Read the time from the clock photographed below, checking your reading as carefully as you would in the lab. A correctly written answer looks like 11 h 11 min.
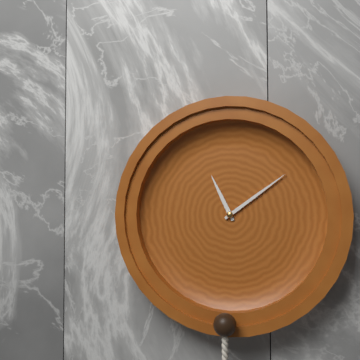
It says 11 h 09 min
